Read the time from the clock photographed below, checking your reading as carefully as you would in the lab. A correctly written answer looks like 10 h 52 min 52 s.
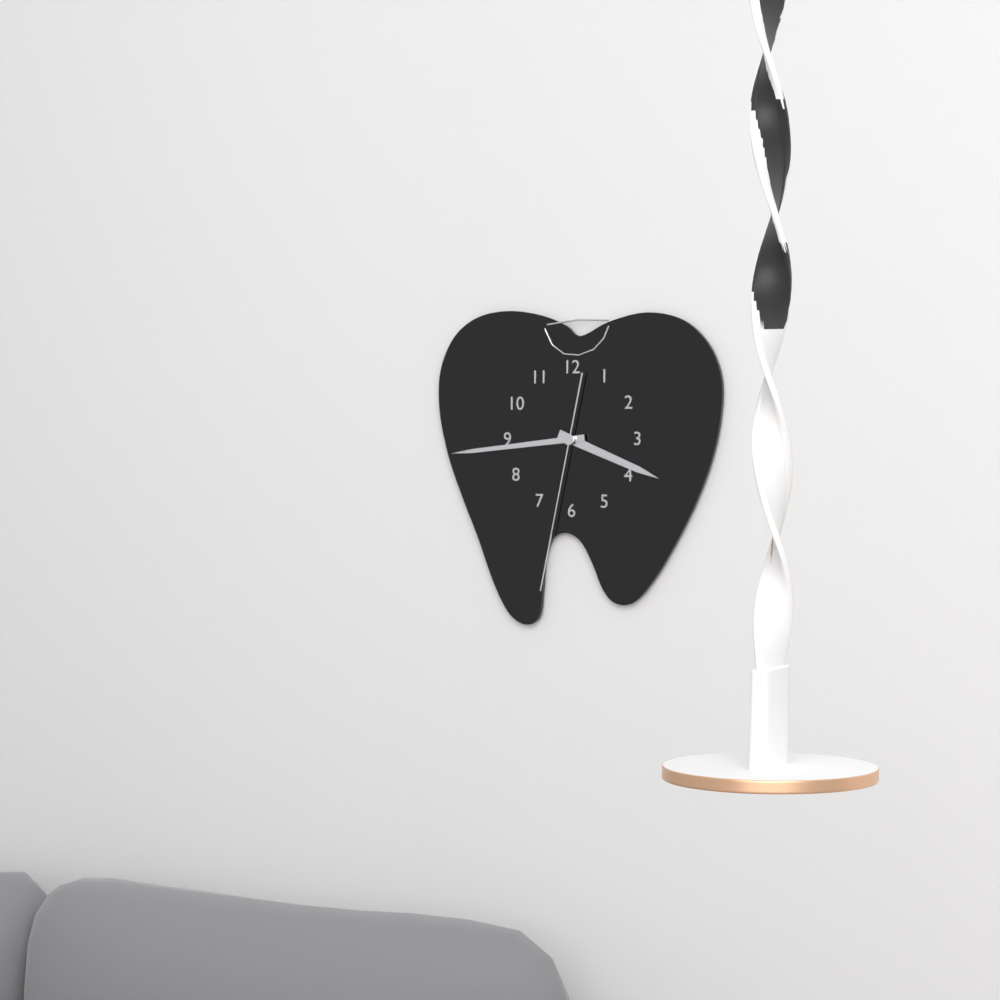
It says 3 h 44 min 32 s
